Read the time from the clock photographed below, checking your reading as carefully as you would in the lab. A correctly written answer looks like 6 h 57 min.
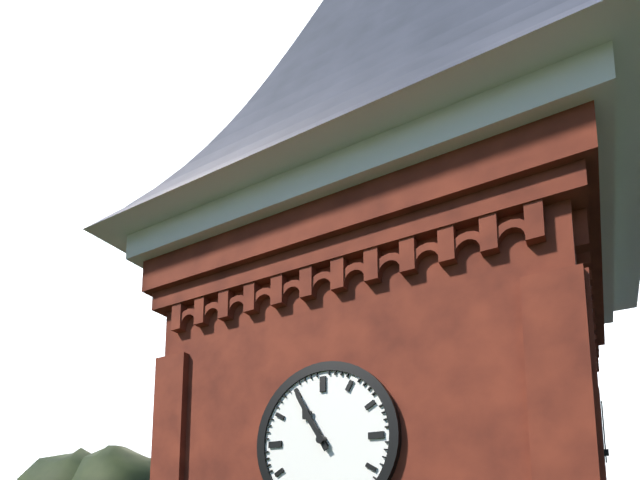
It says 10 h 55 min
